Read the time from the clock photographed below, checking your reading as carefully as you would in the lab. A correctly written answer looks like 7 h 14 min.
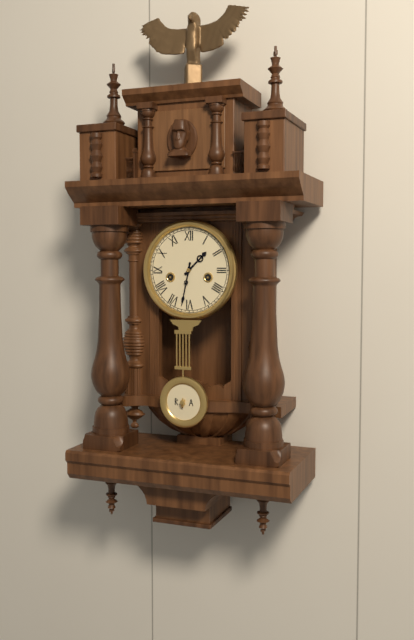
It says 1 h 32 min
